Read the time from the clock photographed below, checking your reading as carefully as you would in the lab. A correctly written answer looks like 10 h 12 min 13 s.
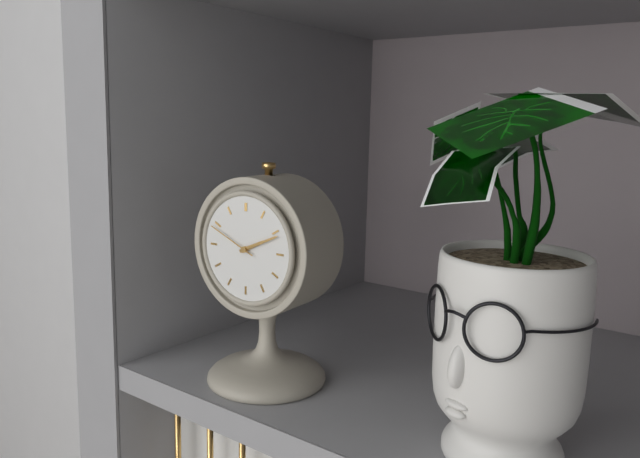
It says 2 h 11 min 49 s
